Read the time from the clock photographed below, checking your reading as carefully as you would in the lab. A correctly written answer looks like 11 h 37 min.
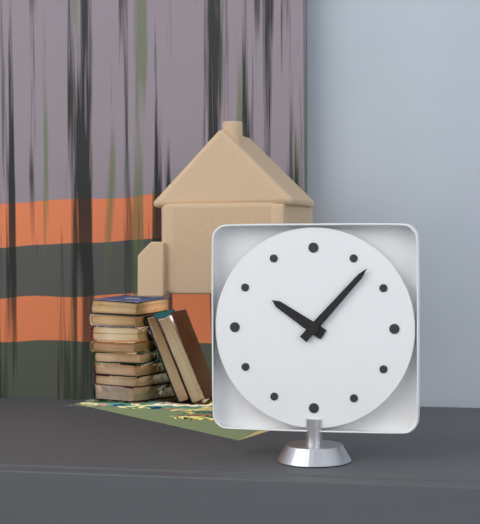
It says 10 h 07 min
